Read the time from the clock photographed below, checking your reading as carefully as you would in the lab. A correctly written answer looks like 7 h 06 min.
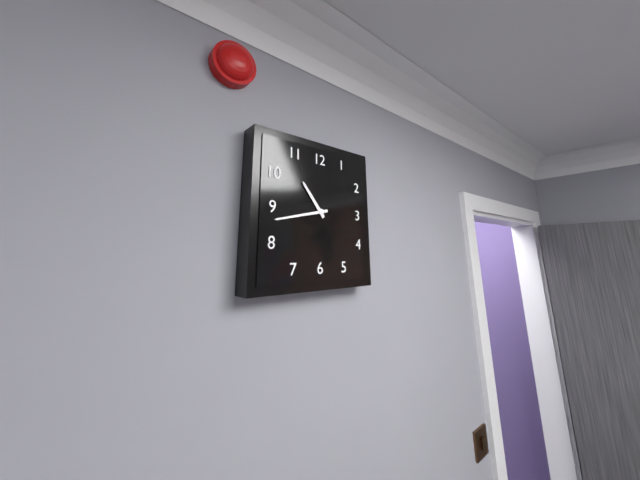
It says 10 h 43 min
